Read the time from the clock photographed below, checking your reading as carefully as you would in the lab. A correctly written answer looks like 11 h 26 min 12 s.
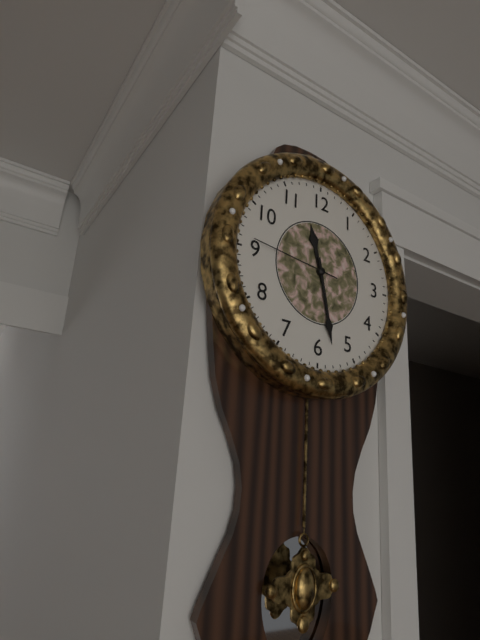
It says 11 h 28 min 46 s
